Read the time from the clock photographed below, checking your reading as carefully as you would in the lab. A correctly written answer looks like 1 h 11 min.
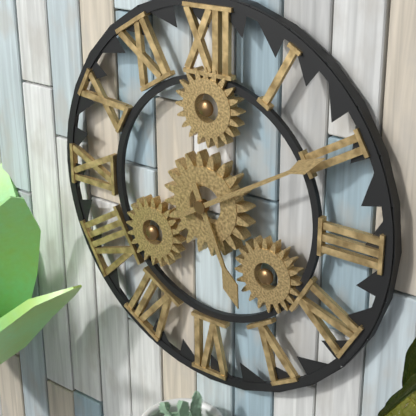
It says 5 h 10 min
